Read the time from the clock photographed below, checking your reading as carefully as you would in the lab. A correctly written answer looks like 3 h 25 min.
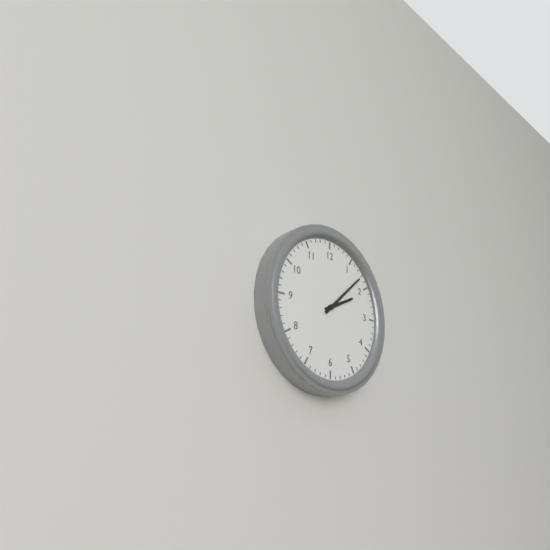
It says 2 h 08 min
